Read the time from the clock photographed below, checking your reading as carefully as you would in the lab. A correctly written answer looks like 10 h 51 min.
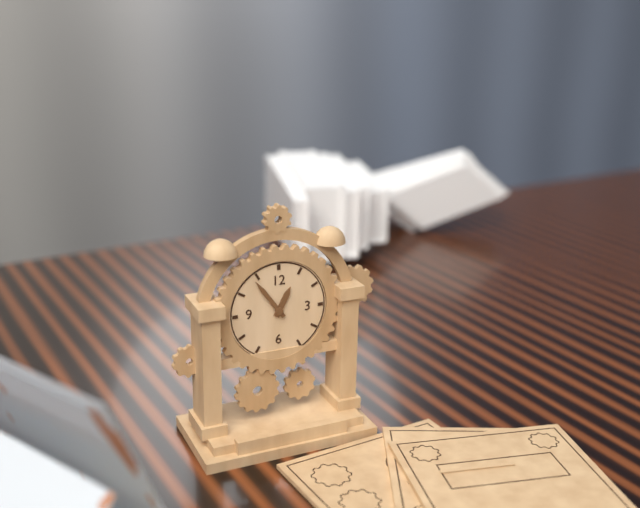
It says 12 h 54 min
